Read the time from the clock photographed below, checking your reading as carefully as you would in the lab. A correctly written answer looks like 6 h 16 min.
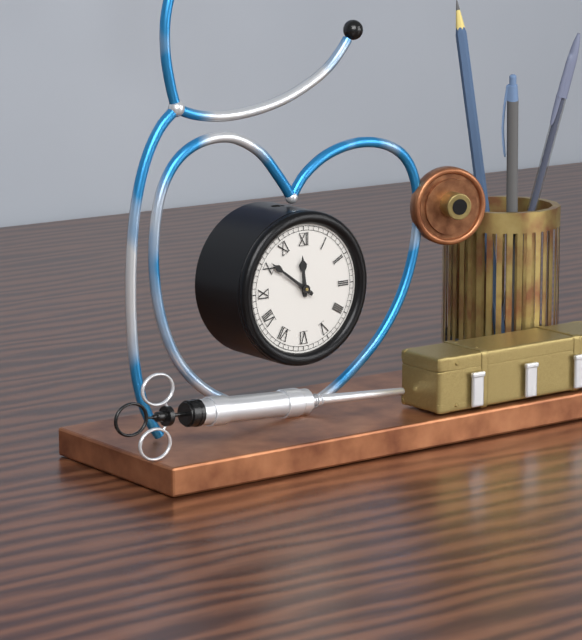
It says 11 h 51 min
